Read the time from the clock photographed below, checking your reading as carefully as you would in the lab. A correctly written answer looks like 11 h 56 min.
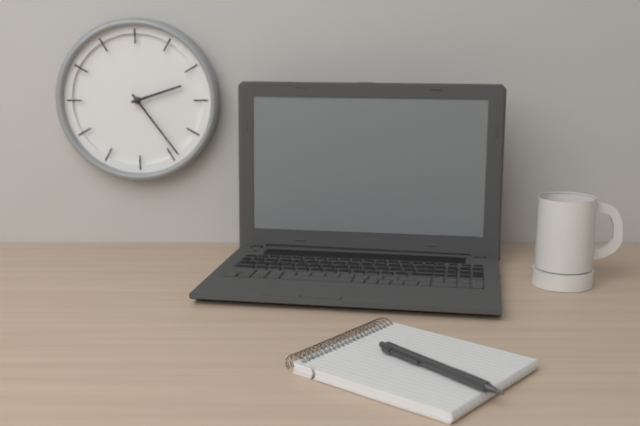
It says 2 h 24 min
